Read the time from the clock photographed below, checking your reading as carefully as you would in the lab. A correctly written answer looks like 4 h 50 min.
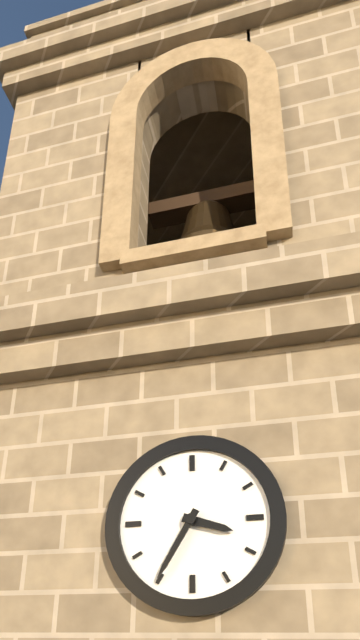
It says 3 h 35 min
